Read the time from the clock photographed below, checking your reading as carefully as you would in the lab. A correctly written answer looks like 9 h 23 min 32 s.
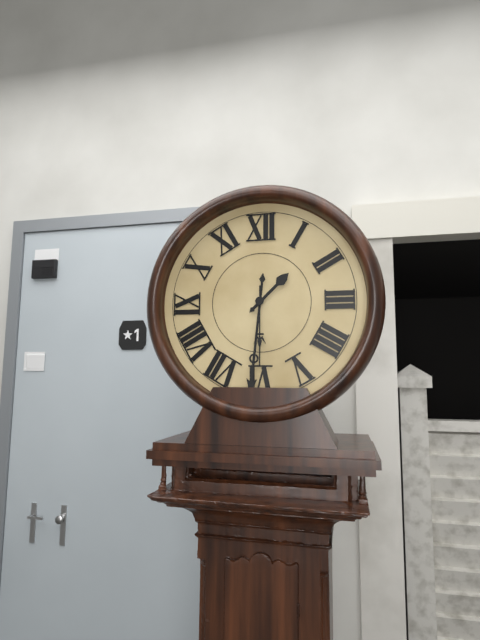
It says 1 h 31 min 30 s
